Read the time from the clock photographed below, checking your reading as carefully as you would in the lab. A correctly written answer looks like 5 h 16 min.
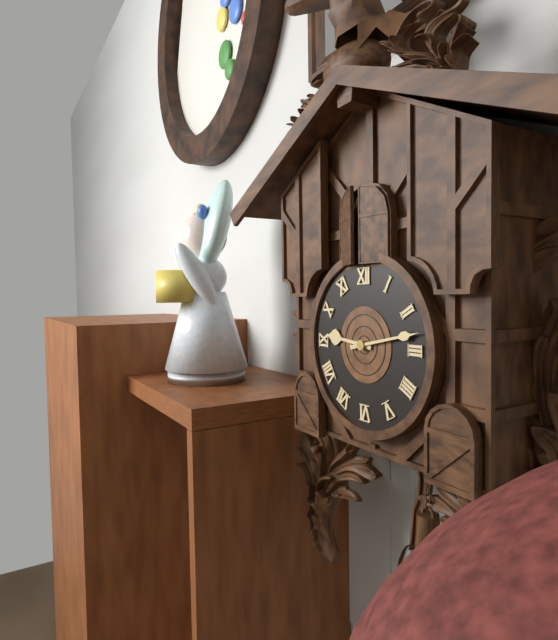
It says 9 h 13 min
